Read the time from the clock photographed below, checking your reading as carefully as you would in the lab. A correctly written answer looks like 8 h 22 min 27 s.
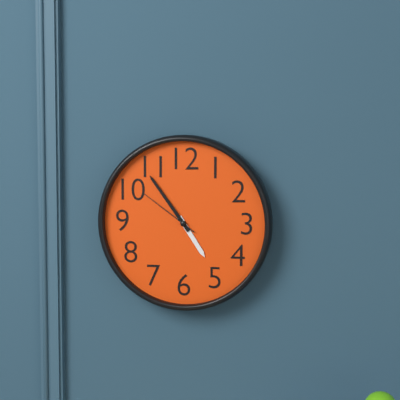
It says 4 h 54 min 51 s
